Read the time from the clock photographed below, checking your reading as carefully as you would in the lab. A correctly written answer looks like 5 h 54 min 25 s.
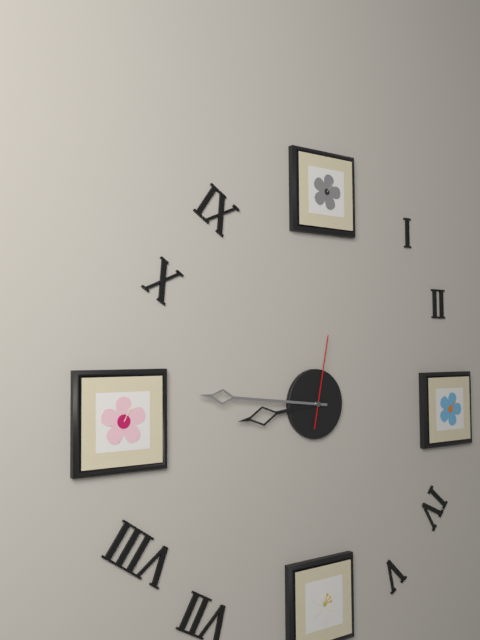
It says 8 h 46 min 02 s
